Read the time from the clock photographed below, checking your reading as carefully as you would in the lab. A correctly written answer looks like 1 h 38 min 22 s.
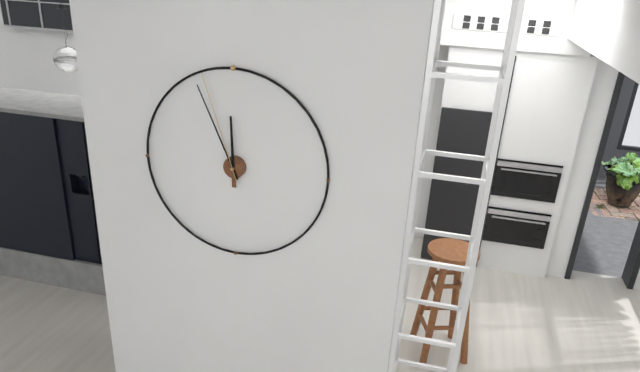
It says 11 h 56 min 57 s
